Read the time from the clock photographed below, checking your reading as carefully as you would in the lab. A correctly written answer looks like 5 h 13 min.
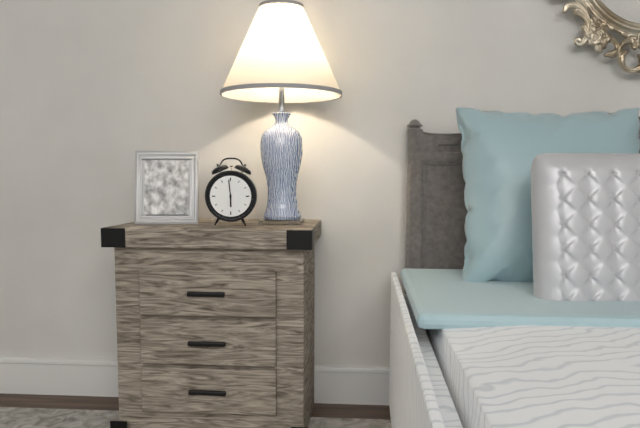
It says 5 h 59 min
